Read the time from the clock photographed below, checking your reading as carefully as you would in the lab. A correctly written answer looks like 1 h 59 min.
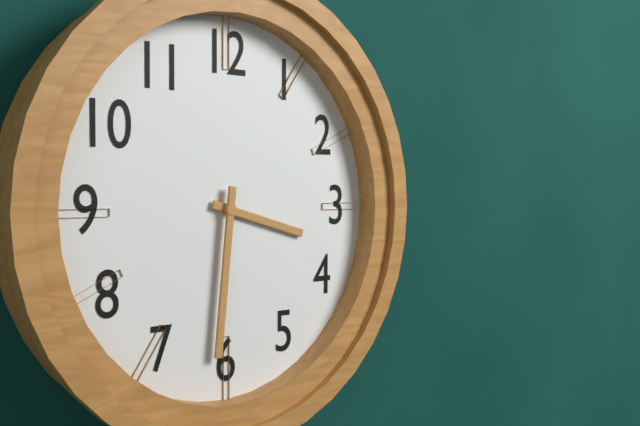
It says 3 h 31 min
